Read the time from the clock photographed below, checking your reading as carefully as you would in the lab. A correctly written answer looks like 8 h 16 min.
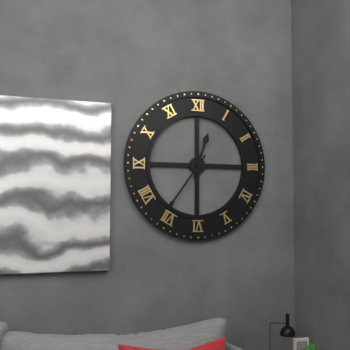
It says 12 h 36 min
